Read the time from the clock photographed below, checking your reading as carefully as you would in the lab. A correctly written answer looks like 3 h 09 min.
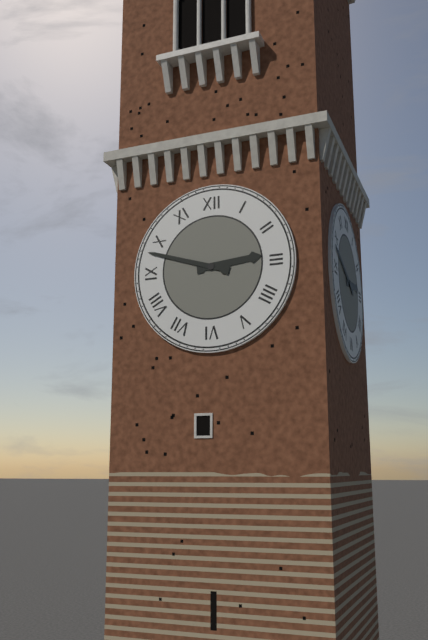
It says 2 h 48 min
